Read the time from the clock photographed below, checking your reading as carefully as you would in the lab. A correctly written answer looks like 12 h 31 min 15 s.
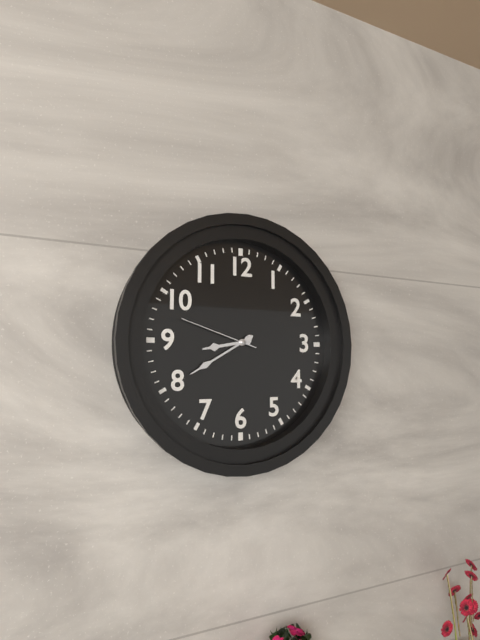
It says 8 h 40 min 48 s
